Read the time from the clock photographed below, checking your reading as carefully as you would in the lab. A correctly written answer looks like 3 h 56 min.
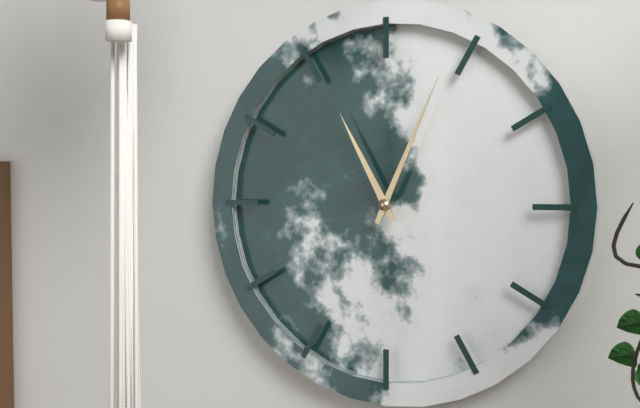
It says 11 h 04 min
